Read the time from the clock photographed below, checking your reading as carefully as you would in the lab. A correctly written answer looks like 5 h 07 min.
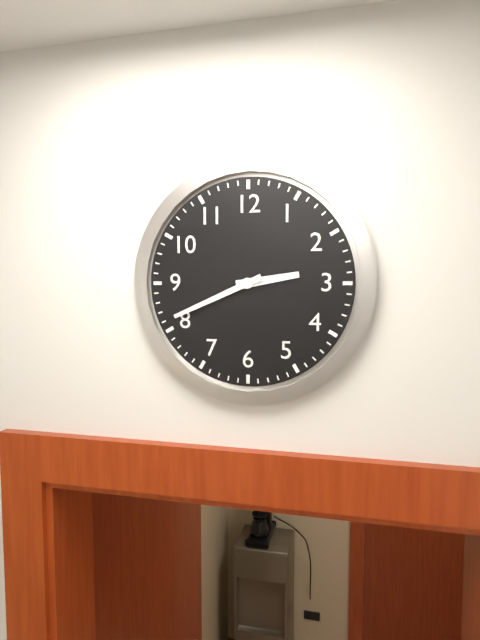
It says 2 h 41 min
